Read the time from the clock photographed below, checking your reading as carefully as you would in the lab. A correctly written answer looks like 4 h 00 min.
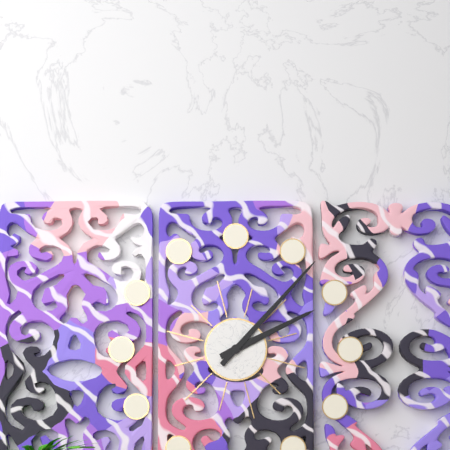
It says 2 h 07 min
